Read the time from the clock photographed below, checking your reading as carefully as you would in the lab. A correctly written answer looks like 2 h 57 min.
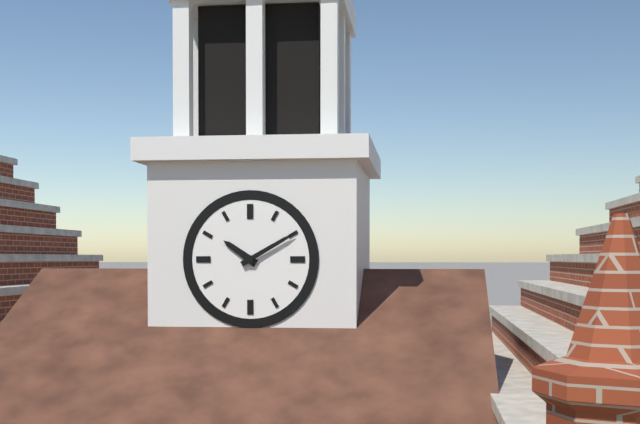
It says 10 h 10 min
